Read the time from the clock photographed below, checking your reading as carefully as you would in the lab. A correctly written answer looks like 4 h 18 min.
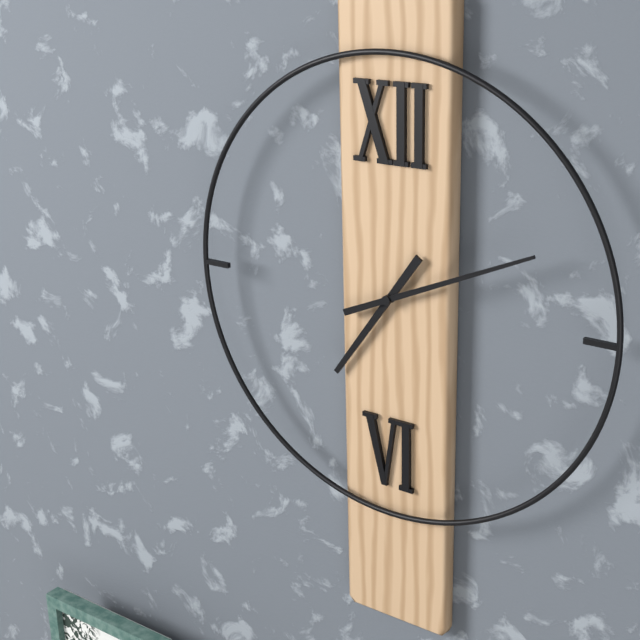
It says 7 h 11 min
